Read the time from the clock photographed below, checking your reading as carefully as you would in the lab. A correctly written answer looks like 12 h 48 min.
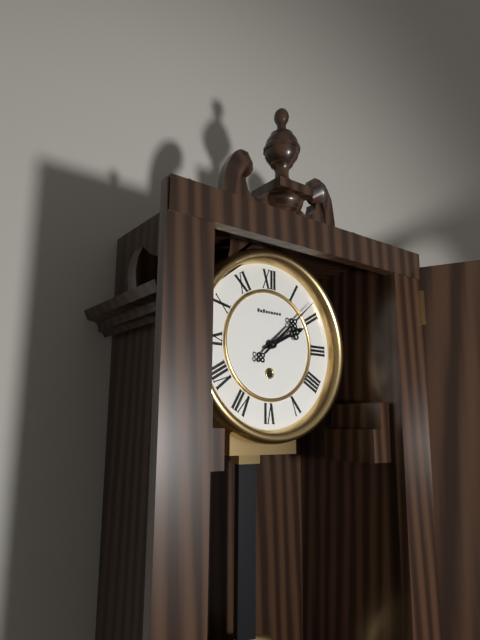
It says 2 h 08 min
